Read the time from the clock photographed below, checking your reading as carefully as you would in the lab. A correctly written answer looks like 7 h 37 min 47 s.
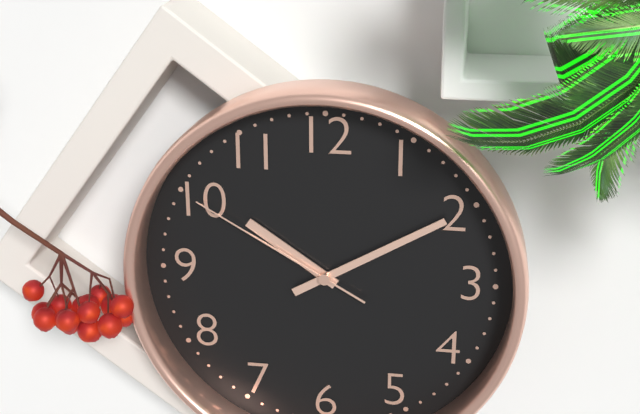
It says 10 h 10 min 50 s
